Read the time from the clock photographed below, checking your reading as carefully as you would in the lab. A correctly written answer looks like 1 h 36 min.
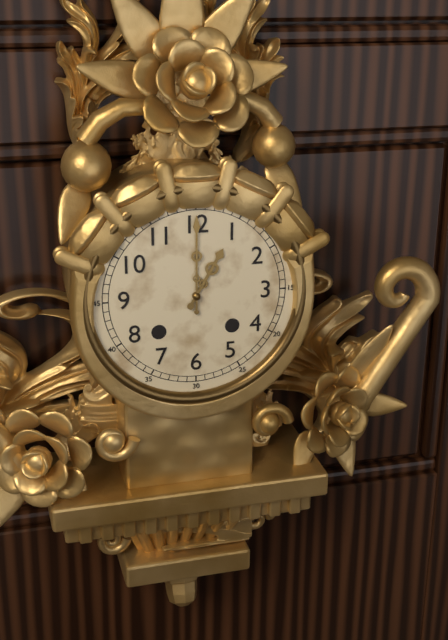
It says 1 h 00 min
